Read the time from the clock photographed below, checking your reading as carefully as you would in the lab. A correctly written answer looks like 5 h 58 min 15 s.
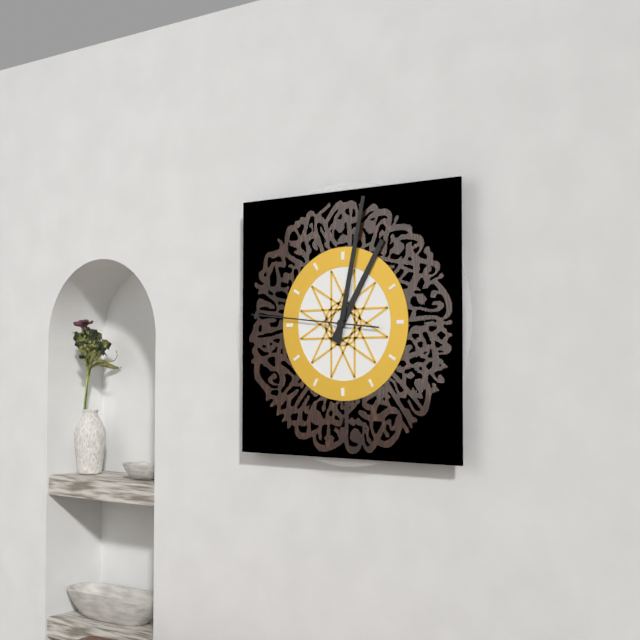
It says 1 h 02 min 46 s
